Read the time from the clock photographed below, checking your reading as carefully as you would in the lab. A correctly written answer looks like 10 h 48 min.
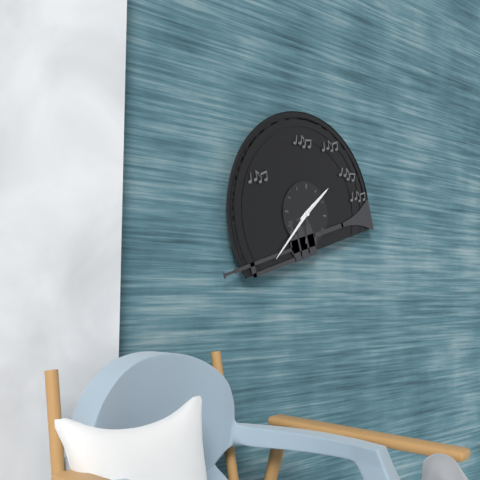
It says 1 h 37 min
